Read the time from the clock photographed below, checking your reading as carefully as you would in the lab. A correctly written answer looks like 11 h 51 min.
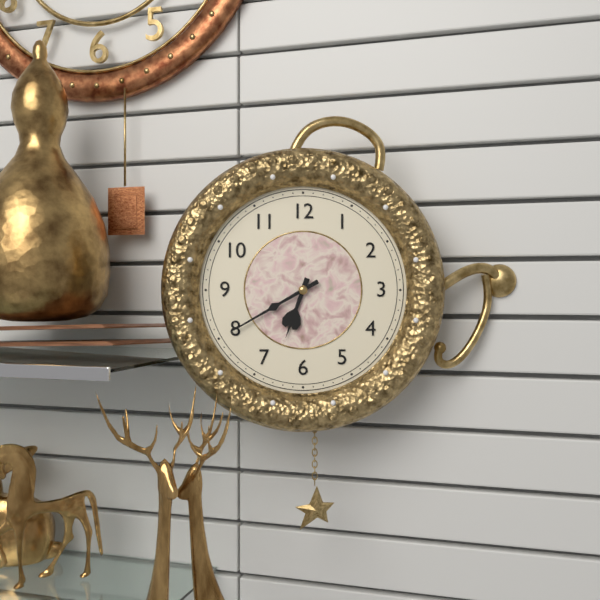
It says 6 h 40 min
